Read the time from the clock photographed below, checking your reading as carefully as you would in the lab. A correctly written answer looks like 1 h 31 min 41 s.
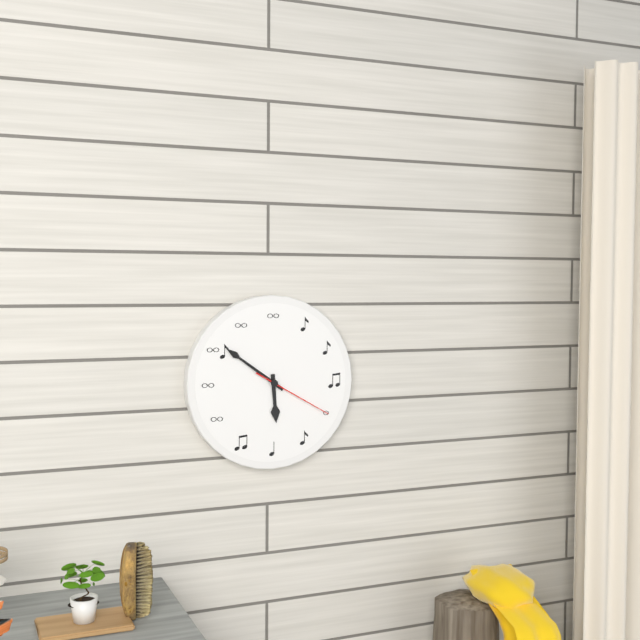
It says 5 h 51 min 20 s
